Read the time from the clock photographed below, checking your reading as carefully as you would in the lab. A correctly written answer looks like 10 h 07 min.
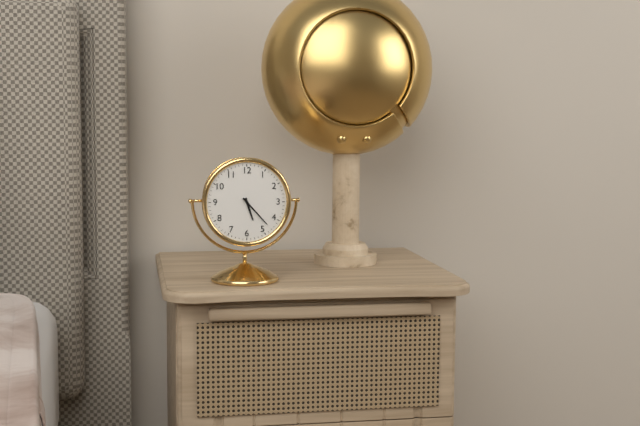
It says 5 h 23 min
